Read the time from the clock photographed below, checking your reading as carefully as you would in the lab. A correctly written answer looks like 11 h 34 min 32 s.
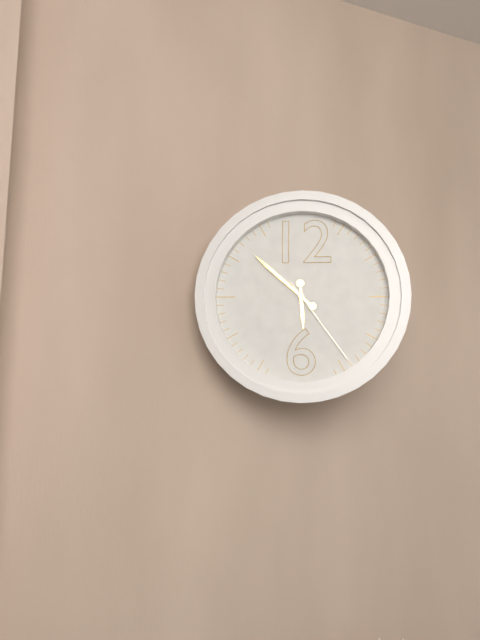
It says 5 h 52 min 24 s
